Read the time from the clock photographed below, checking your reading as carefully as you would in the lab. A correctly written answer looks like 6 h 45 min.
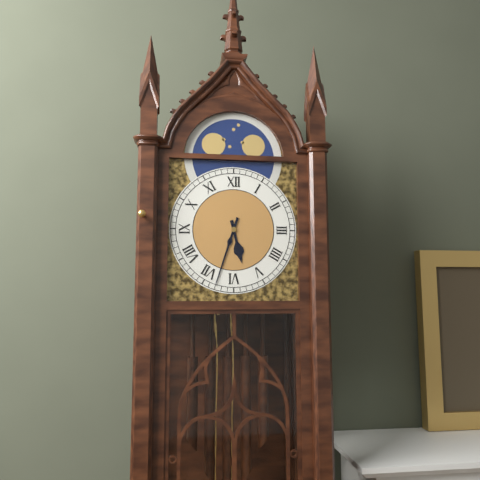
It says 5 h 33 min
